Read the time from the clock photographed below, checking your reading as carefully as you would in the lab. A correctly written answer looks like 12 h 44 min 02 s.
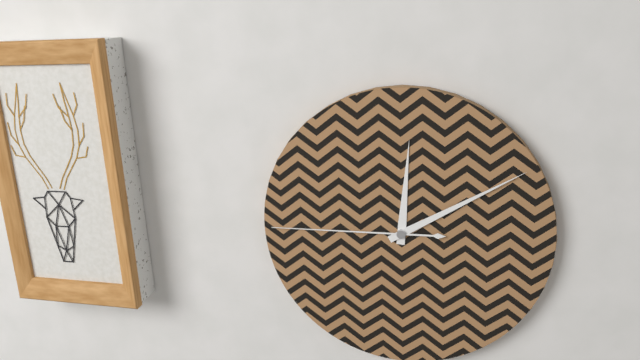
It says 12 h 10 min 45 s
